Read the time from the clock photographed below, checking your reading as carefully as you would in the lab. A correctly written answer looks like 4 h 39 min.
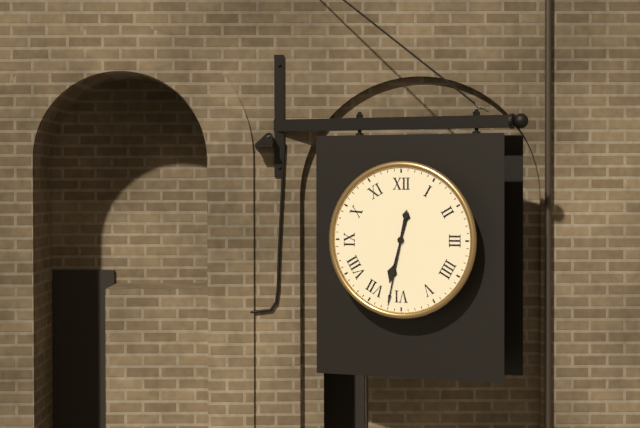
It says 6 h 32 min
